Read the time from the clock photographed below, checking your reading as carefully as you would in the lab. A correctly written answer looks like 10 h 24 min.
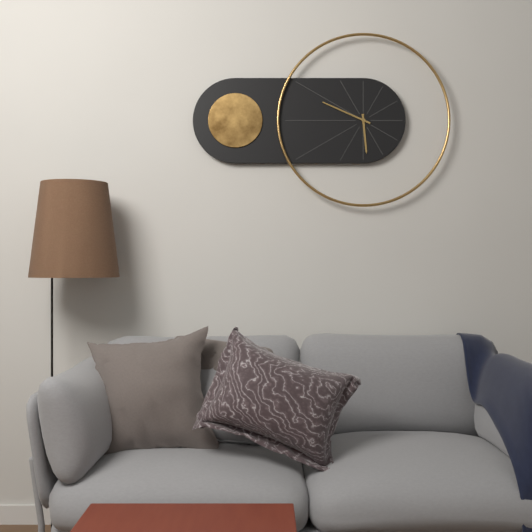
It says 5 h 49 min
